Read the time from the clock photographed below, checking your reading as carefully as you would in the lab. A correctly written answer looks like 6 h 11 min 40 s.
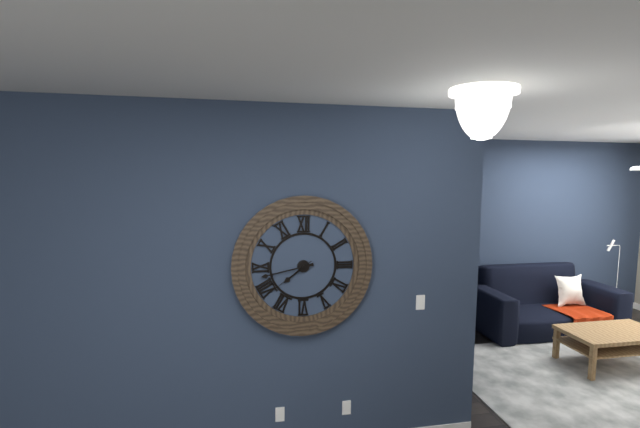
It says 7 h 43 min 39 s
